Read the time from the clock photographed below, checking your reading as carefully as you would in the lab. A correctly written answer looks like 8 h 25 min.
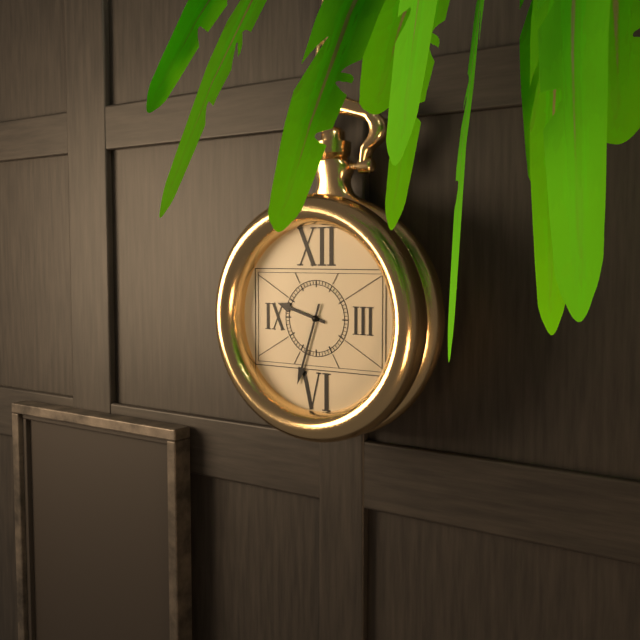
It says 9 h 33 min
